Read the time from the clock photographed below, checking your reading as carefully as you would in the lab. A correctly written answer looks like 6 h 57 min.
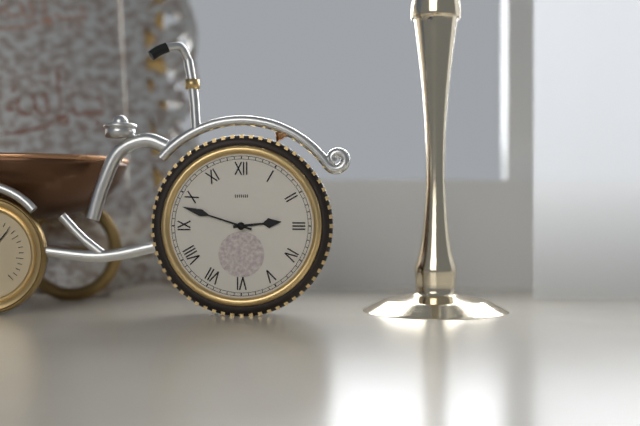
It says 2 h 48 min
